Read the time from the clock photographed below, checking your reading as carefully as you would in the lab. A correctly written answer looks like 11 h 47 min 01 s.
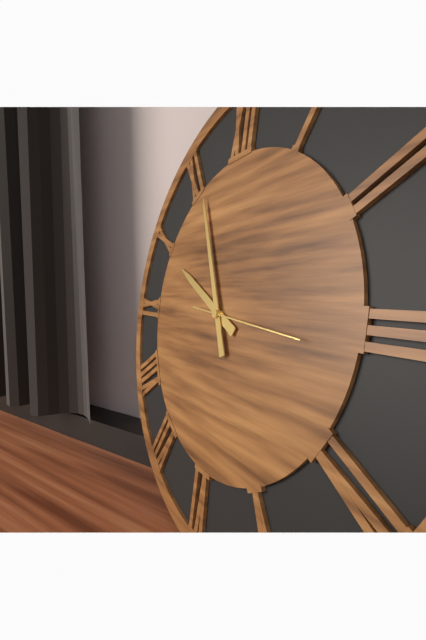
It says 9 h 56 min 16 s
